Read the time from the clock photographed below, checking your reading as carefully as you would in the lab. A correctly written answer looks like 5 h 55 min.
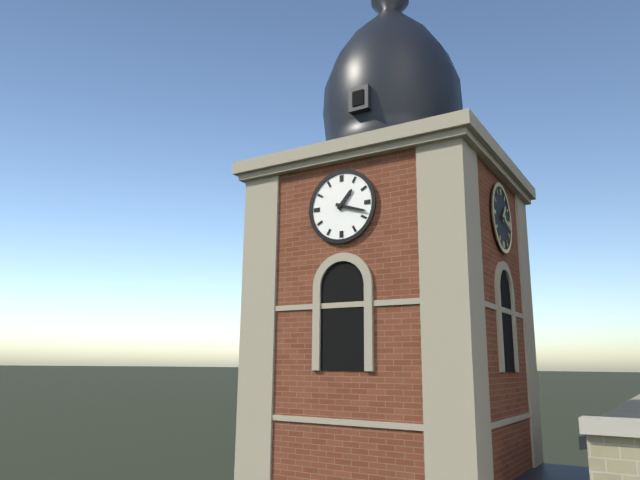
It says 1 h 18 min
